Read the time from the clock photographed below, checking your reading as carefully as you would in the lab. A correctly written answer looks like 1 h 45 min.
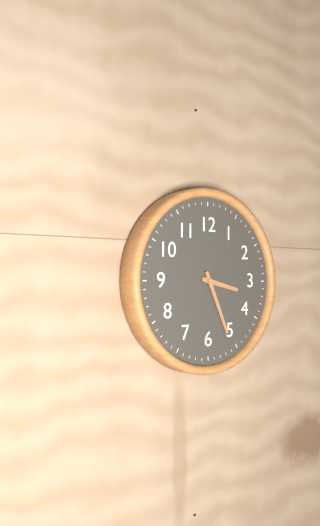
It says 3 h 26 min
